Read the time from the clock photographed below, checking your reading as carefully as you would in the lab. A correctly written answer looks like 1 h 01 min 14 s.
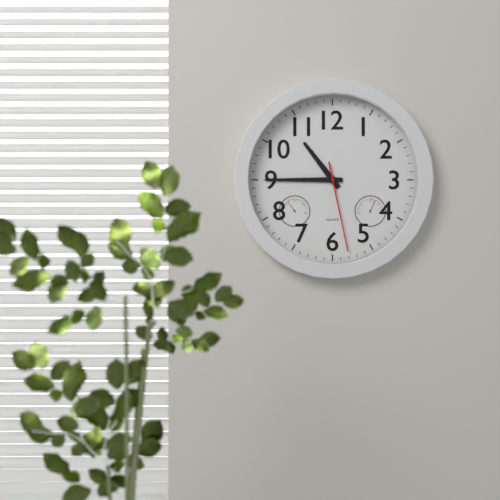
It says 10 h 45 min 28 s
